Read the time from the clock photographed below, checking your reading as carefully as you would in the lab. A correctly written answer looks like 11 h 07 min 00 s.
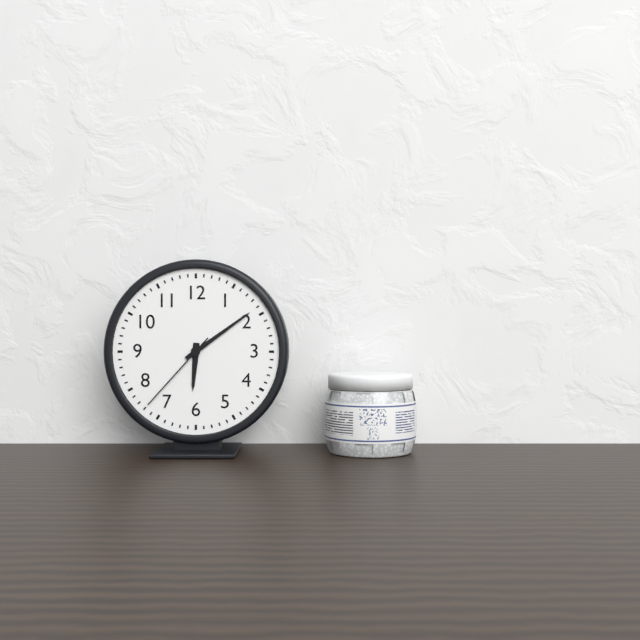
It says 6 h 09 min 37 s
